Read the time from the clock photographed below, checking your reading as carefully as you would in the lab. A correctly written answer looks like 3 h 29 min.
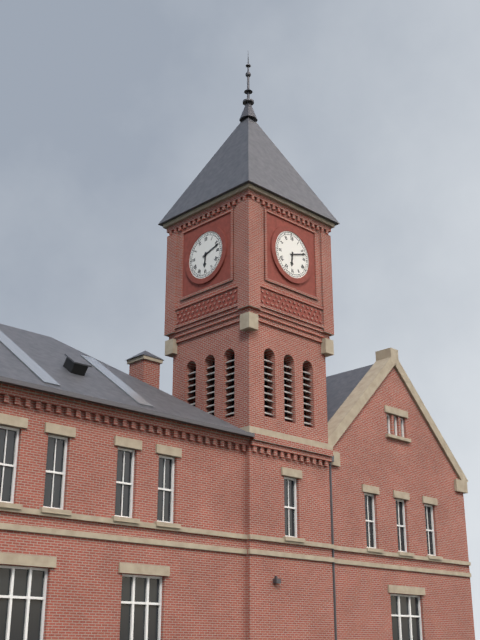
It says 6 h 12 min
